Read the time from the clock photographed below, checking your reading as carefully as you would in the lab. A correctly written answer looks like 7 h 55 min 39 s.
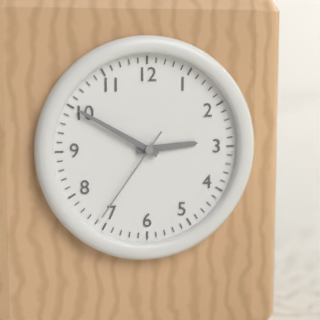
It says 2 h 50 min 36 s
